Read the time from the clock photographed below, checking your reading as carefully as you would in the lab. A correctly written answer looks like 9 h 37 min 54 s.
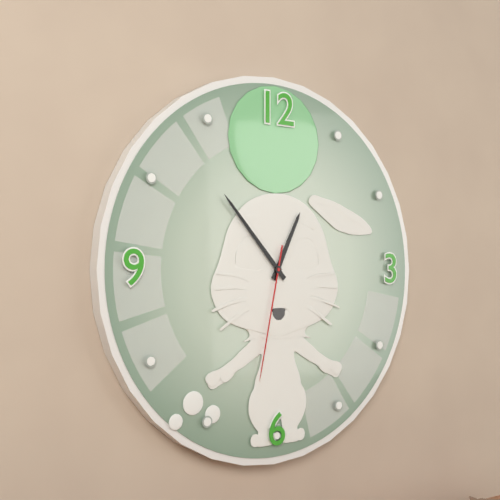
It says 12 h 53 min 32 s
